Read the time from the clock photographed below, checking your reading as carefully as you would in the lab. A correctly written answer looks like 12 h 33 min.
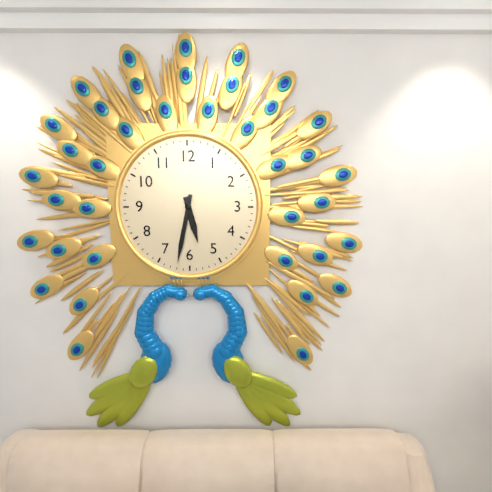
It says 5 h 32 min
